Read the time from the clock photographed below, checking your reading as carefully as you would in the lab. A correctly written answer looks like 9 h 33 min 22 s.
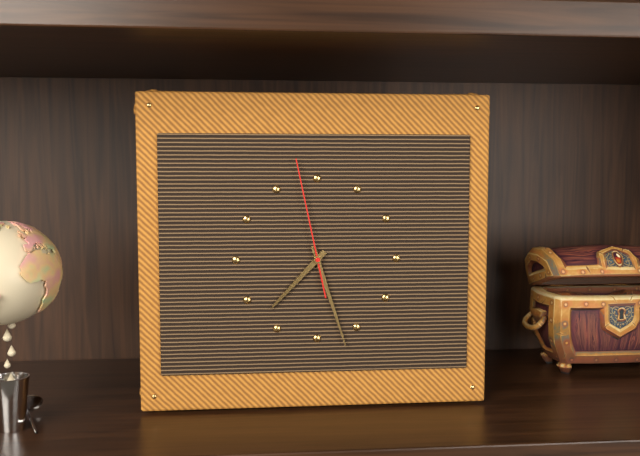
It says 7 h 27 min 58 s
